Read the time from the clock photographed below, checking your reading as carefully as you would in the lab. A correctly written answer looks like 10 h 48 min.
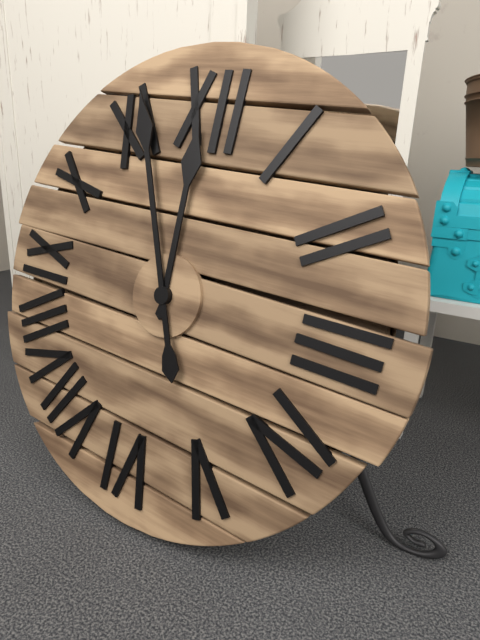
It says 11 h 56 min
